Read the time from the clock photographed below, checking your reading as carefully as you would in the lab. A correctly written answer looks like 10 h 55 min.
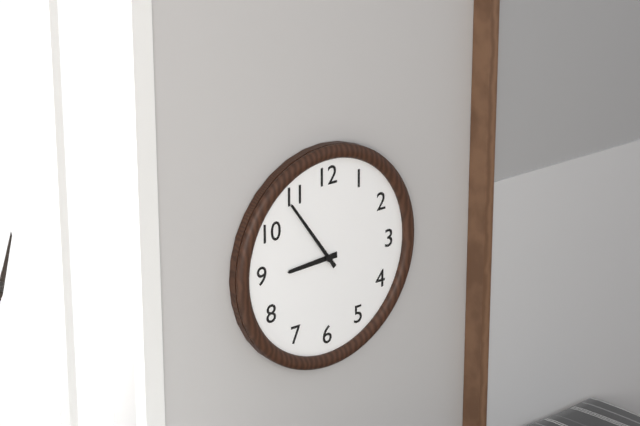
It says 8 h 54 min
